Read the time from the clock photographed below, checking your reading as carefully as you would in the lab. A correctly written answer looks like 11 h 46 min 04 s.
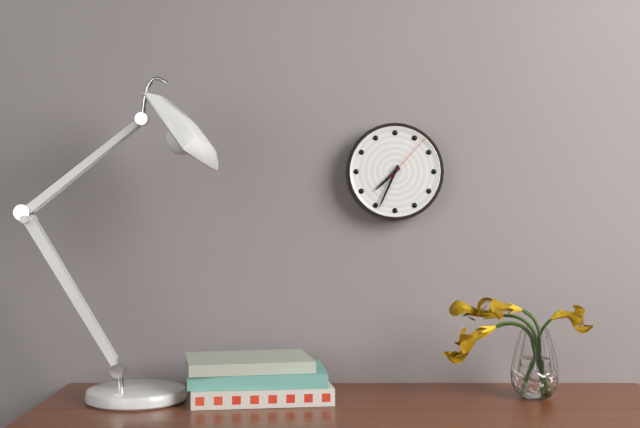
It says 7 h 34 min 07 s
